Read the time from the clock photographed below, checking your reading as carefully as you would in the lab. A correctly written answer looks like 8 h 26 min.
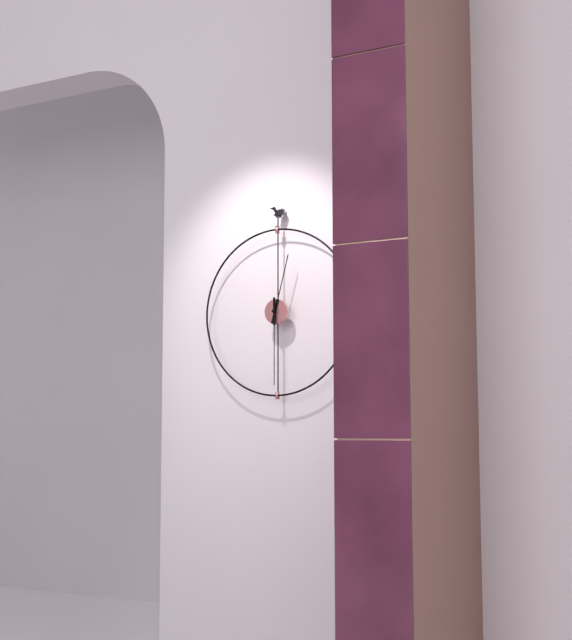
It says 12 h 30 min
